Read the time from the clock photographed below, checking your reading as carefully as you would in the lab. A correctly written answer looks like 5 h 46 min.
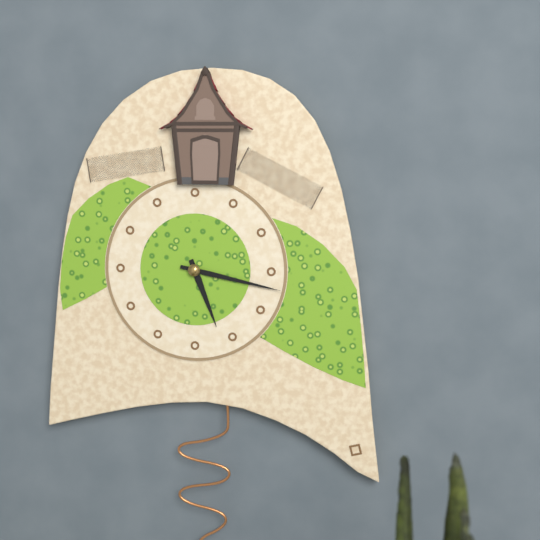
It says 5 h 17 min
